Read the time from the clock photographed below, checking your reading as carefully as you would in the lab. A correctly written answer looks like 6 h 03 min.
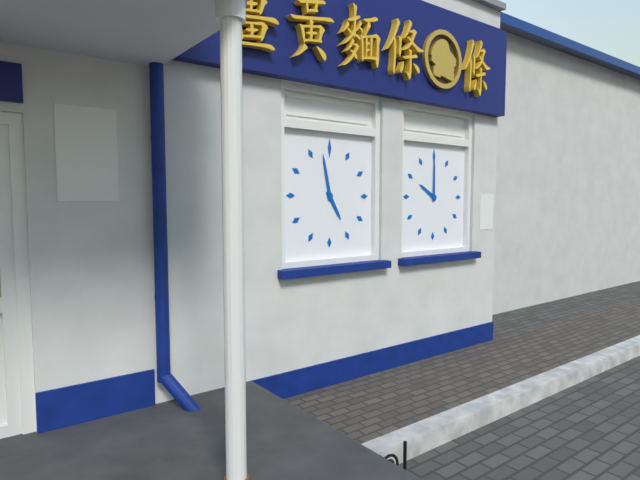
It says 4 h 58 min
